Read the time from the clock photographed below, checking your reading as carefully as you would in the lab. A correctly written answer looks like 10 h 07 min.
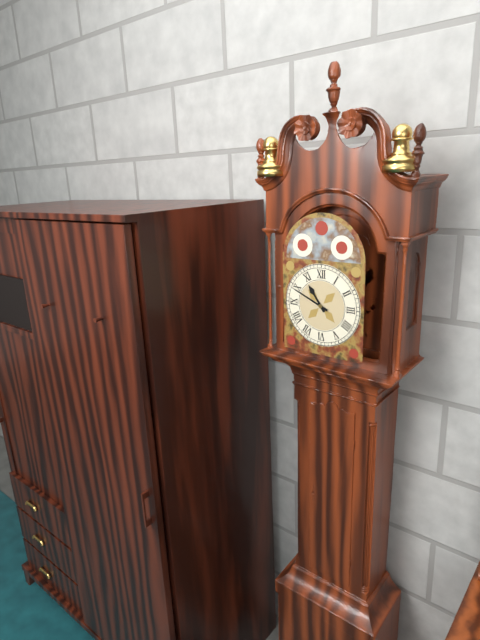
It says 10 h 49 min
